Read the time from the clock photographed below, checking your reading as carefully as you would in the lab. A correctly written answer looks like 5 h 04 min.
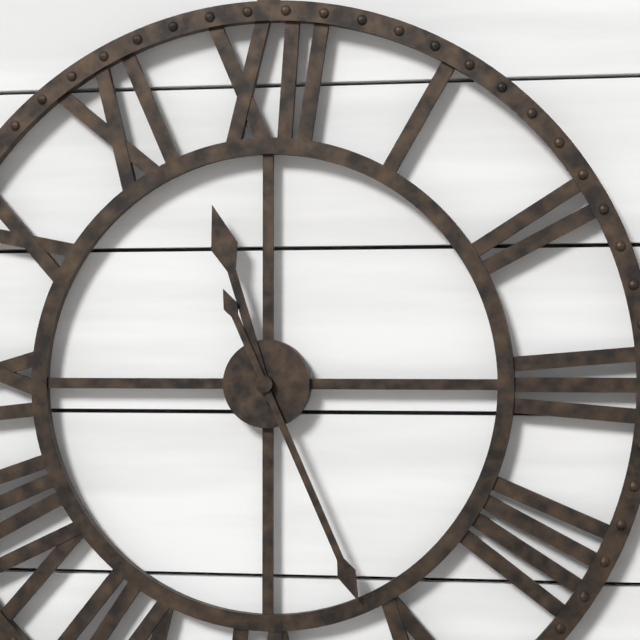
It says 11 h 26 min
